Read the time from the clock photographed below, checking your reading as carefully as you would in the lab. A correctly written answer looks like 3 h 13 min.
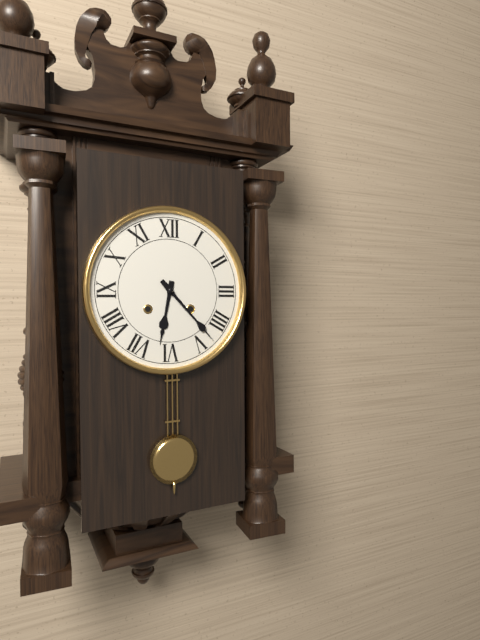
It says 6 h 23 min
